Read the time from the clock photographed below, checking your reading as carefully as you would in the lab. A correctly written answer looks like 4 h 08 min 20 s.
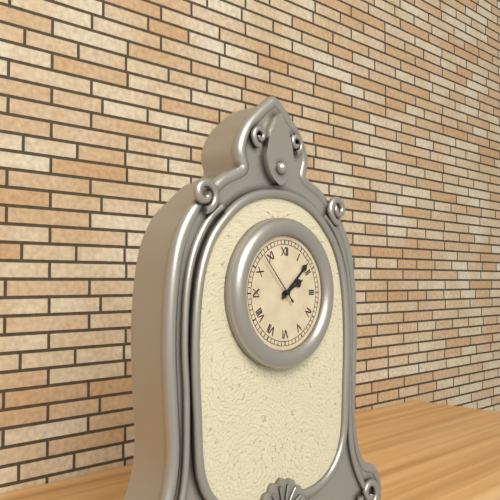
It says 2 h 08 min 53 s
